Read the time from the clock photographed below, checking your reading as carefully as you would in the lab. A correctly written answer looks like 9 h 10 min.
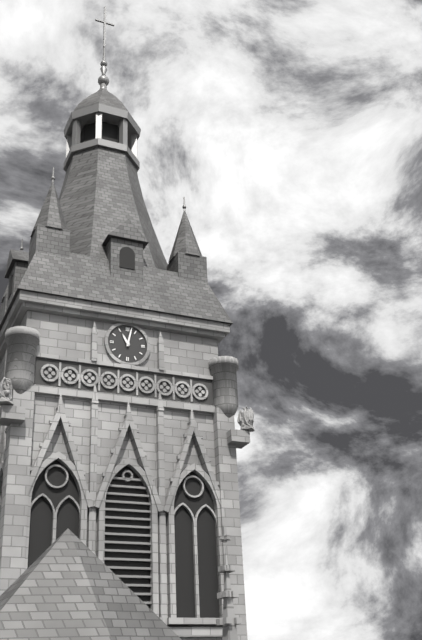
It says 11 h 02 min
